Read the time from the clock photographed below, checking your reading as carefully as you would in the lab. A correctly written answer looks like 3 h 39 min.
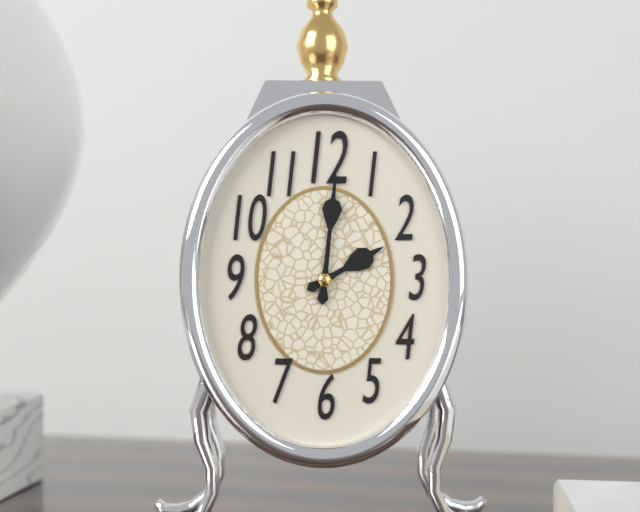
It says 2 h 01 min
